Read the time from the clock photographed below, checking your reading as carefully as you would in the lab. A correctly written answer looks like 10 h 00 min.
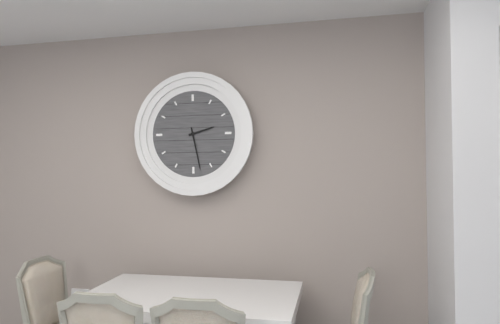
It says 2 h 28 min
